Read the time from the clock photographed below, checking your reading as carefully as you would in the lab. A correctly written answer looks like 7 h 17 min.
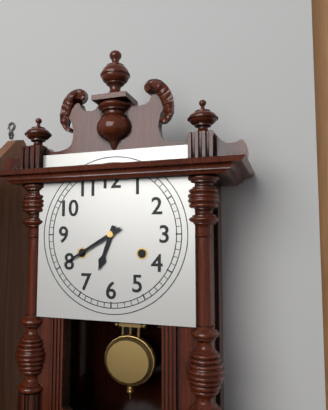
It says 6 h 40 min
